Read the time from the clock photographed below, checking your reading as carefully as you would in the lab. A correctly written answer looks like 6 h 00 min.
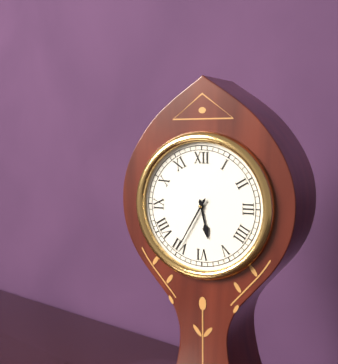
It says 5 h 35 min
